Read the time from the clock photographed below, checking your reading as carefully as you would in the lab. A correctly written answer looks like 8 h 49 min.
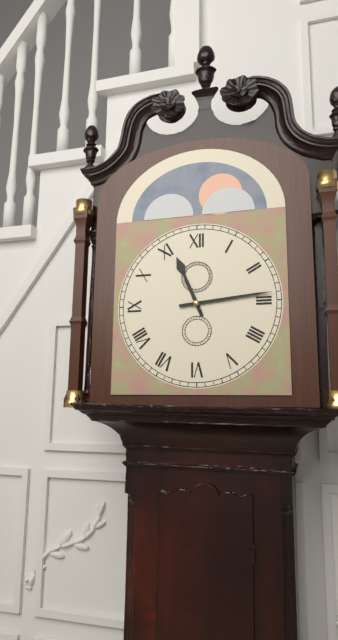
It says 11 h 14 min
